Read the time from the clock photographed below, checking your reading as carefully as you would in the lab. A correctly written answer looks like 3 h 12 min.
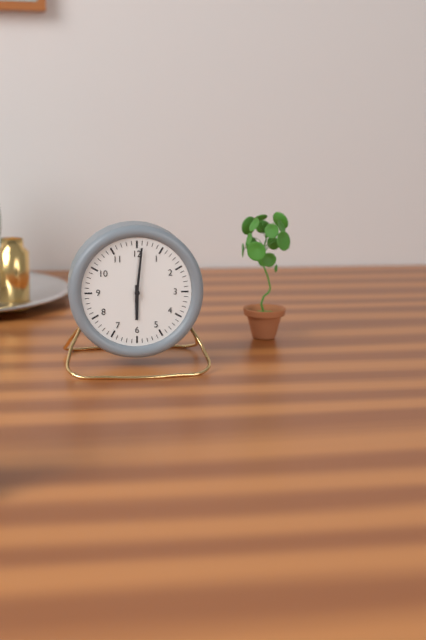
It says 6 h 01 min
